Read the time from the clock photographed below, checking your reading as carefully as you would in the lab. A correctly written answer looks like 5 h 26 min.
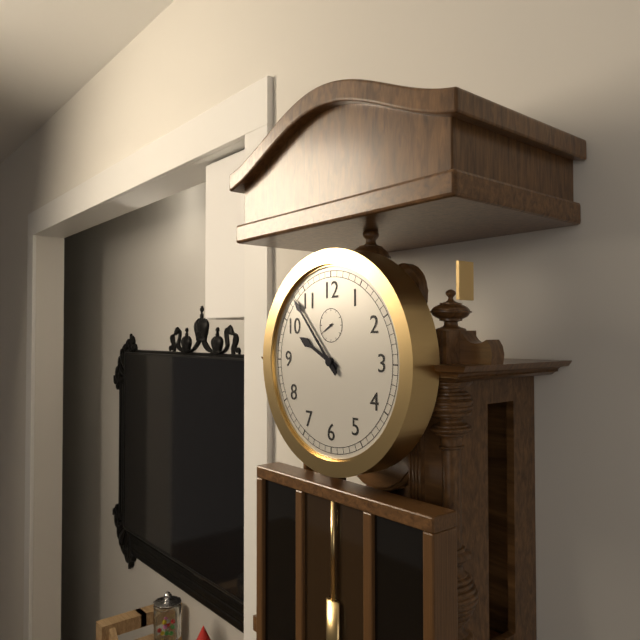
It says 9 h 53 min
